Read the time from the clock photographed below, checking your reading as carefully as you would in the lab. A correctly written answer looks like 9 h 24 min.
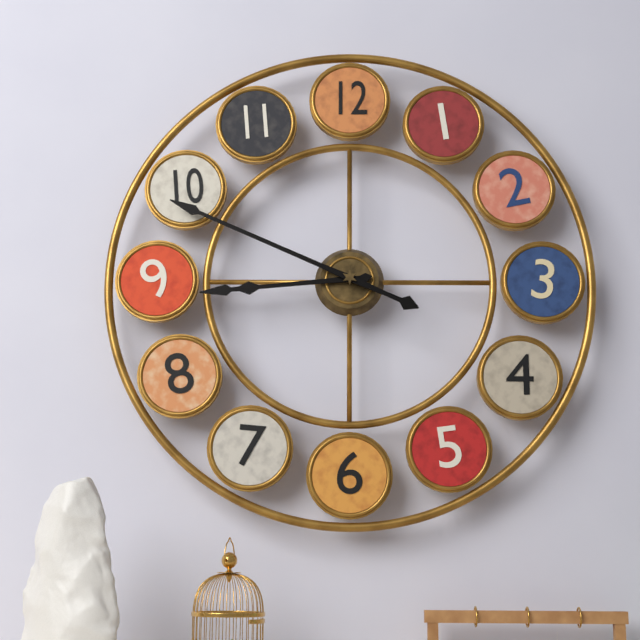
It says 8 h 49 min
